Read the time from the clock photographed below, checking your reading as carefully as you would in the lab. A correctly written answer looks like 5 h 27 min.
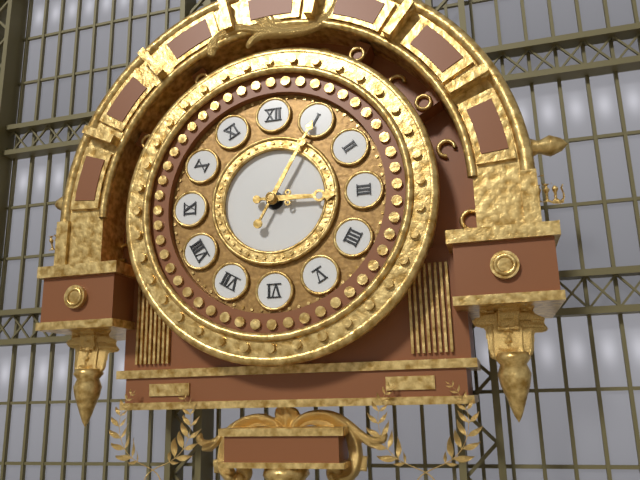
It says 3 h 05 min
